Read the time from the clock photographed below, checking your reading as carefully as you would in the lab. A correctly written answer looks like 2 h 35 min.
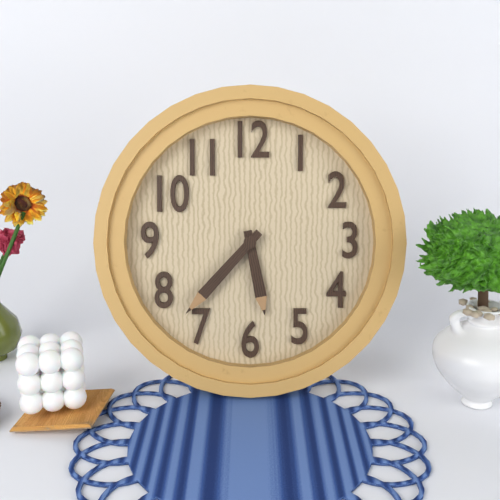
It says 5 h 37 min
